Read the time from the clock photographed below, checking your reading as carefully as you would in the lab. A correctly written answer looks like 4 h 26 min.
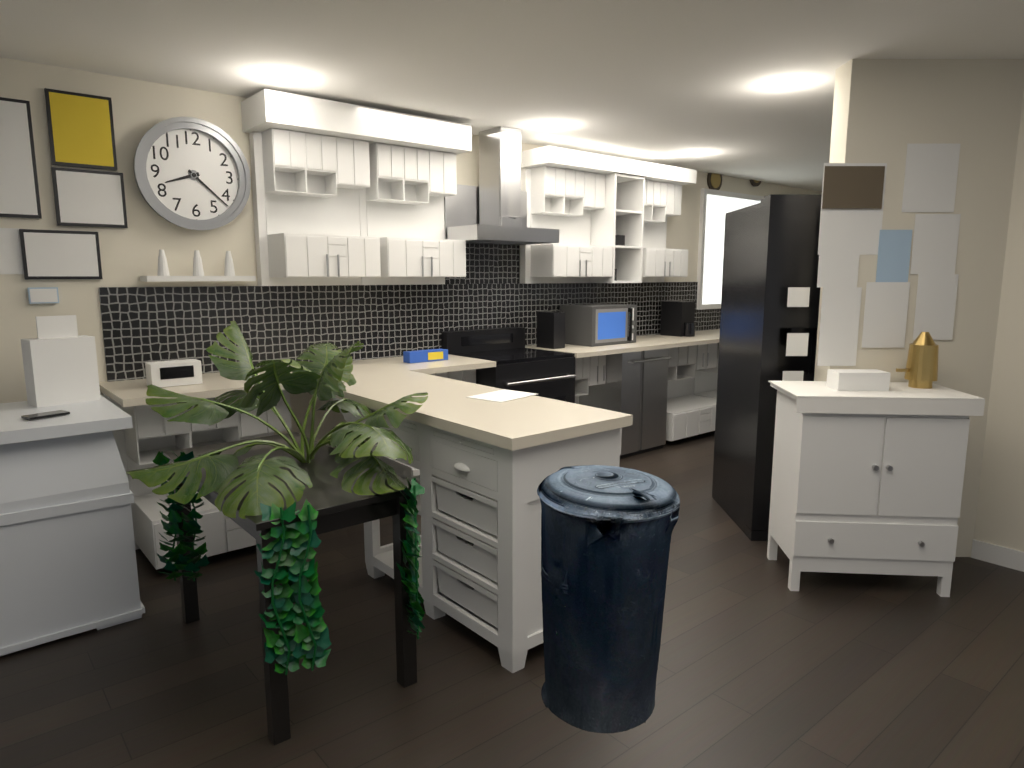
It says 8 h 22 min
